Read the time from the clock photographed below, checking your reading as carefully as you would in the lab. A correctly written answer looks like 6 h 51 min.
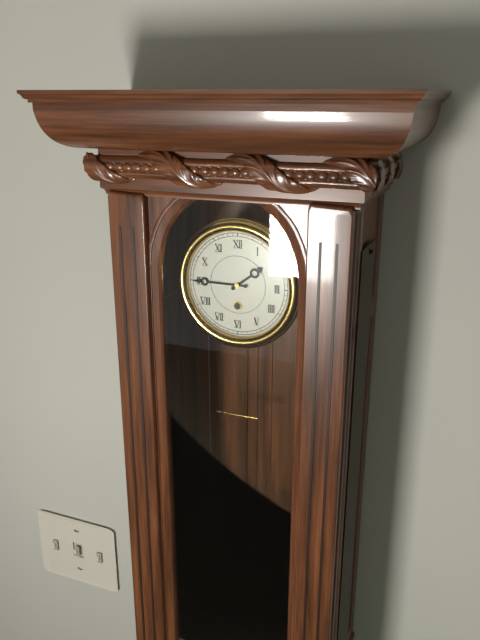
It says 1 h 45 min
